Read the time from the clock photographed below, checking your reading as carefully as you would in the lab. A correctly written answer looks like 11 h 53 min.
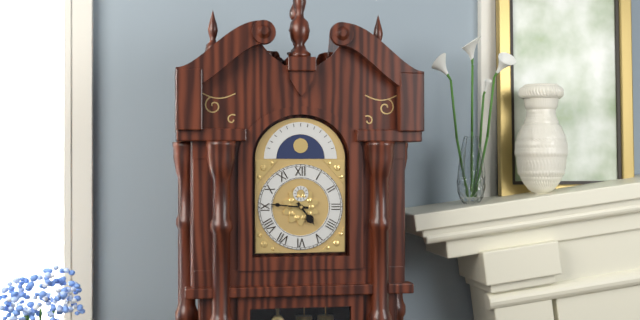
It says 4 h 46 min
